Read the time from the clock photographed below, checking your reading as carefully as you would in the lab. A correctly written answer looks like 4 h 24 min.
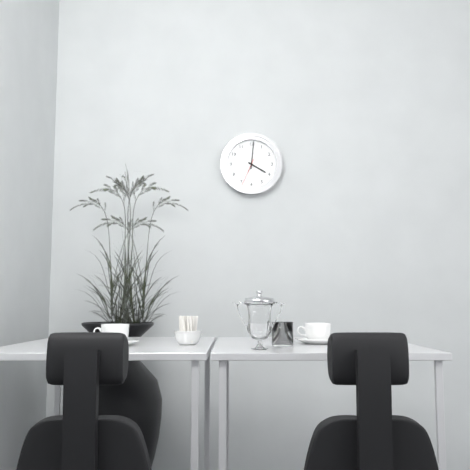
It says 4 h 01 min
